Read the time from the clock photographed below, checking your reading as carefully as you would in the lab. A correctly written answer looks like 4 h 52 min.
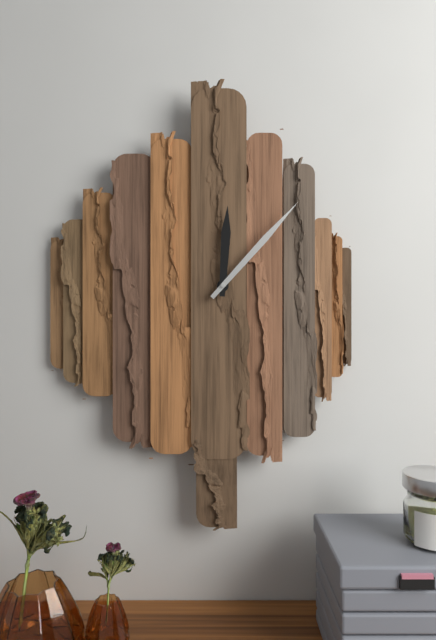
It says 12 h 07 min
